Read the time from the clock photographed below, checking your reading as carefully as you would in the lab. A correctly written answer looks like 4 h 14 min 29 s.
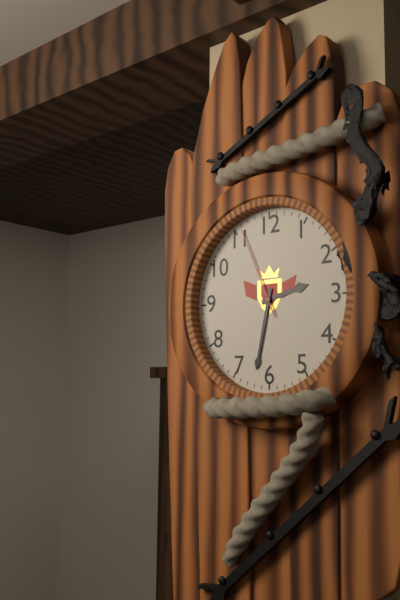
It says 2 h 32 min 56 s
